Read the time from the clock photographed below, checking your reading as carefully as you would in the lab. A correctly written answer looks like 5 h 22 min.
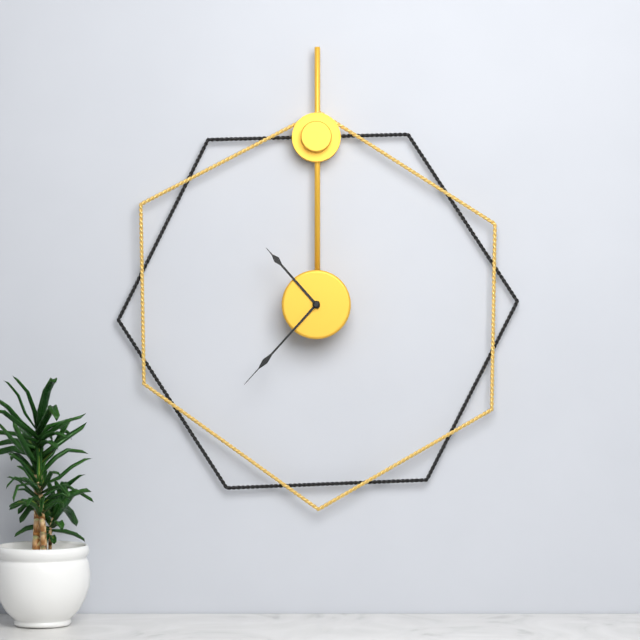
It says 10 h 37 min
